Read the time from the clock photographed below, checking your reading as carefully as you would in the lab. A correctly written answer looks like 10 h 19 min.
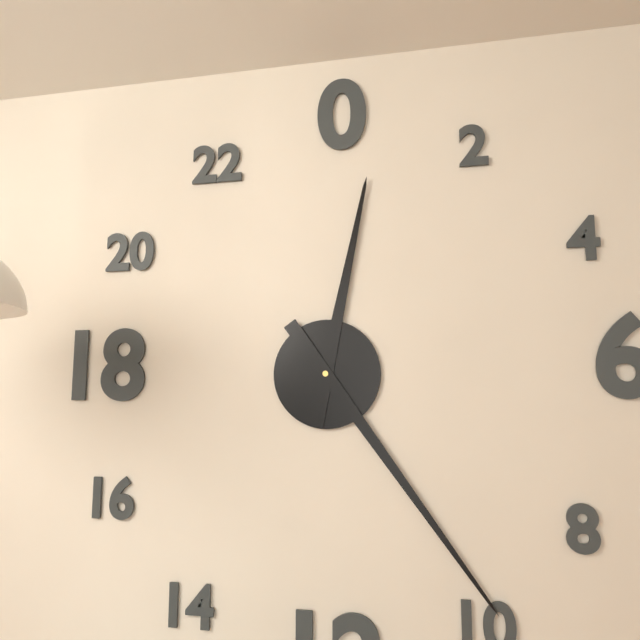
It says 12 h 24 min
